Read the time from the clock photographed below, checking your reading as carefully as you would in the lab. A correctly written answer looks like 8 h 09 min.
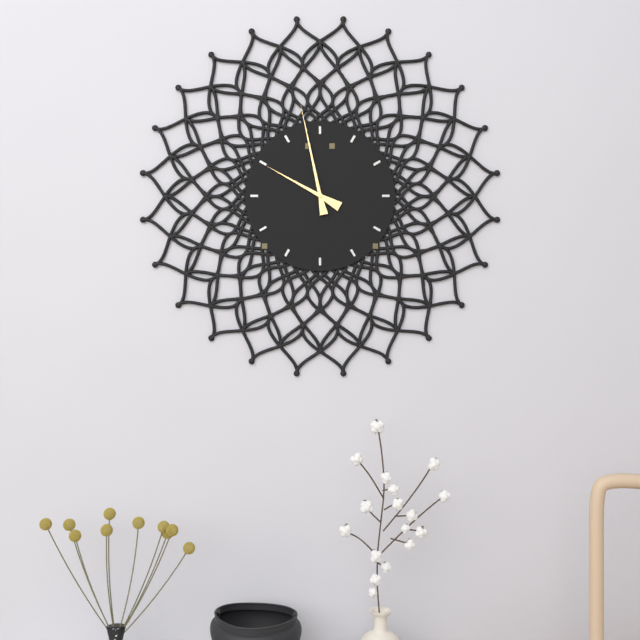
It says 9 h 58 min
